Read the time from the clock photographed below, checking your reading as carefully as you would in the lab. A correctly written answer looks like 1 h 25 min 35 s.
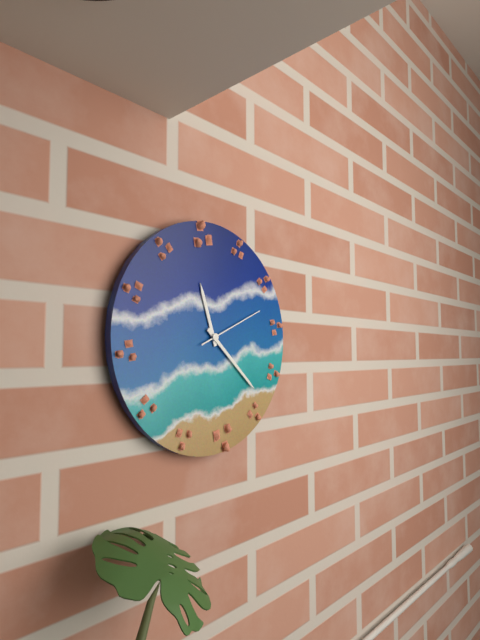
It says 11 h 22 min 11 s
